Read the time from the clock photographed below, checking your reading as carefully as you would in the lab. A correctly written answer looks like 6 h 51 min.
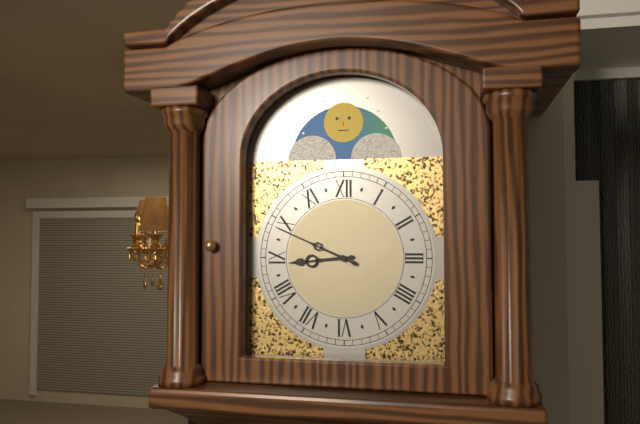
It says 8 h 49 min
